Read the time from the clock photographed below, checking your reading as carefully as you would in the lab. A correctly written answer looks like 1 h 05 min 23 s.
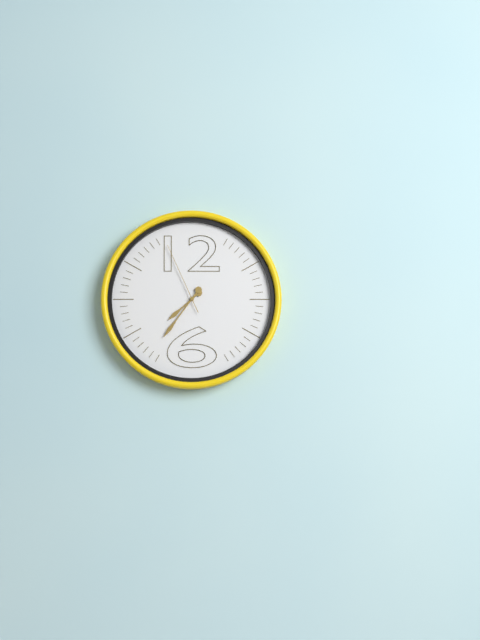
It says 7 h 36 min 56 s
